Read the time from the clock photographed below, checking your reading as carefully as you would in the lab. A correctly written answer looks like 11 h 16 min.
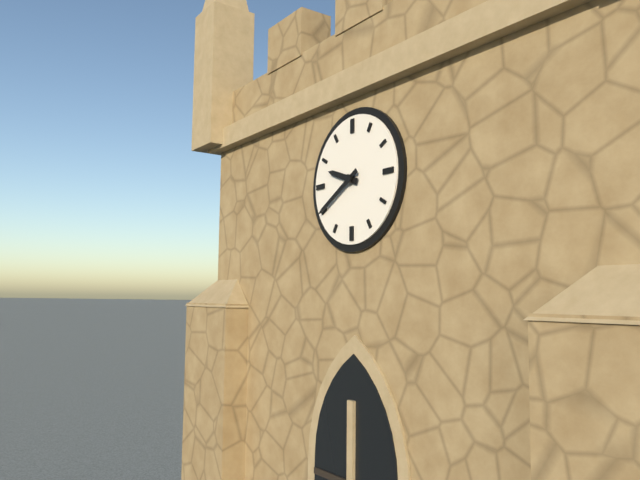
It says 9 h 40 min
